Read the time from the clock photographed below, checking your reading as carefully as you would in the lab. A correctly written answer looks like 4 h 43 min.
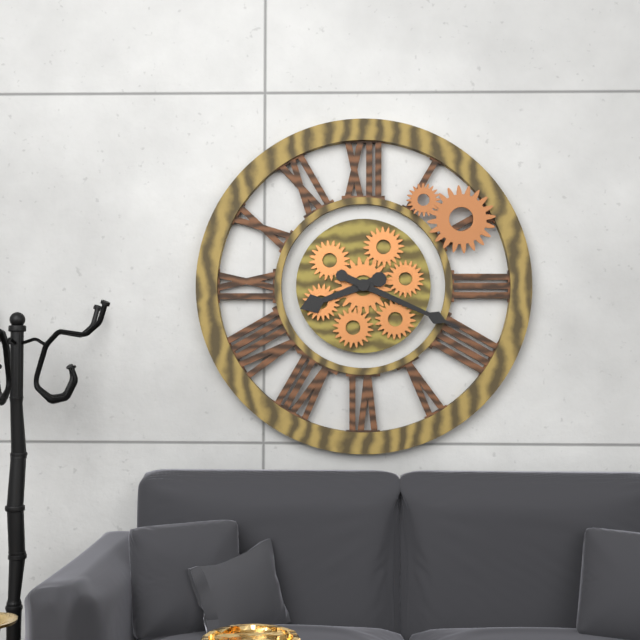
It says 8 h 19 min
